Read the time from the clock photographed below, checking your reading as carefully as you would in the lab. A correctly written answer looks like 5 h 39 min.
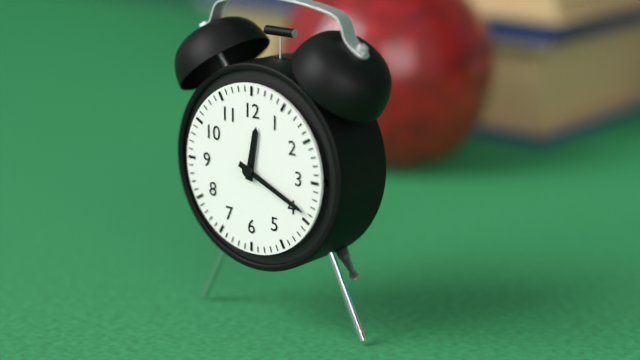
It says 12 h 19 min
